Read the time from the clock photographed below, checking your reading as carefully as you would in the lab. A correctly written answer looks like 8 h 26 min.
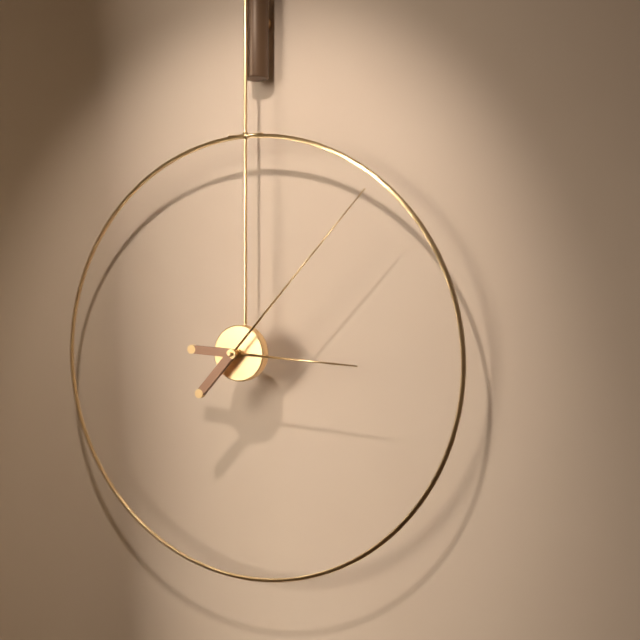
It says 3 h 07 min
